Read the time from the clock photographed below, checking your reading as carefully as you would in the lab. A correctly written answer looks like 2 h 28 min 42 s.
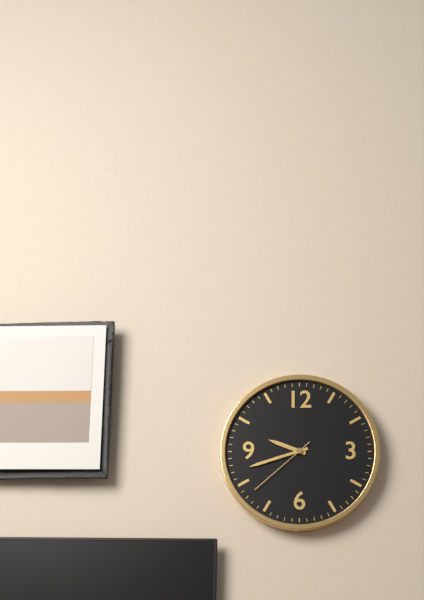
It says 9 h 42 min 38 s
